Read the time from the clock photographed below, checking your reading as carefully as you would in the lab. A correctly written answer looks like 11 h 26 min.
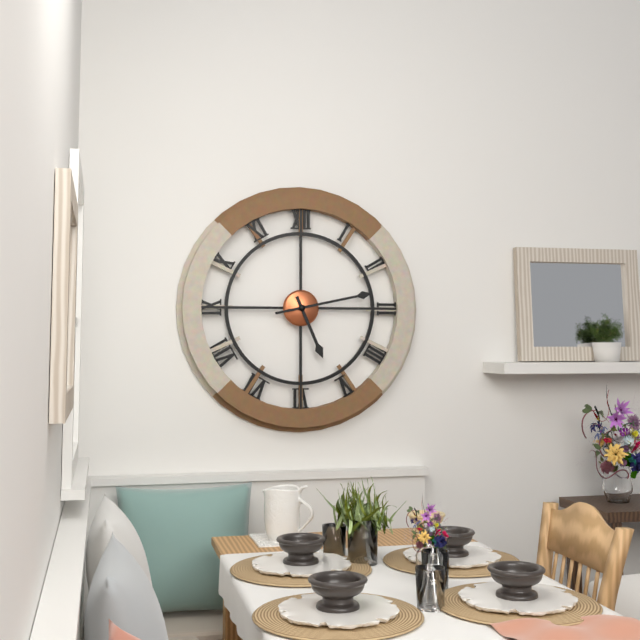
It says 5 h 13 min
